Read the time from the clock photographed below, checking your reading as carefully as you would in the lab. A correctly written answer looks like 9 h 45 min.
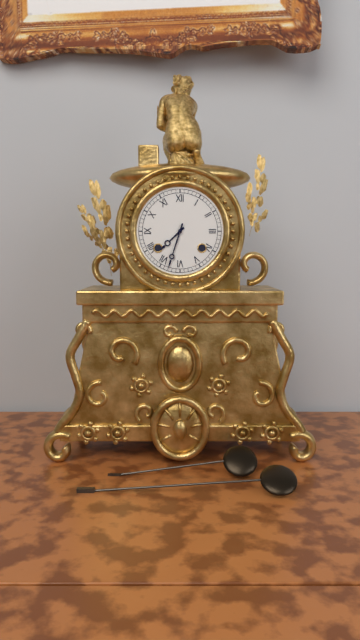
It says 7 h 33 min
